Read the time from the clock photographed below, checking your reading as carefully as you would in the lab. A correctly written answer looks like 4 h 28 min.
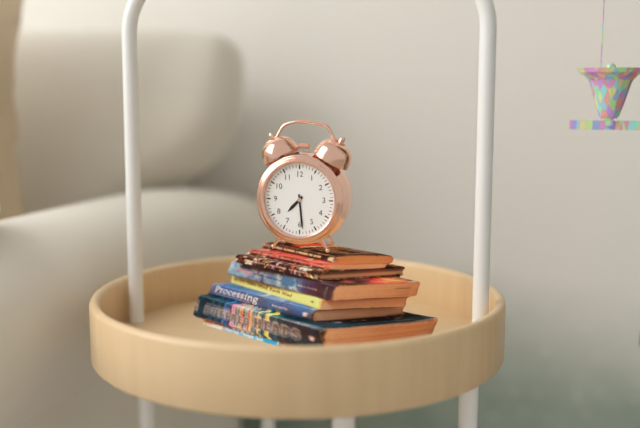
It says 7 h 29 min
